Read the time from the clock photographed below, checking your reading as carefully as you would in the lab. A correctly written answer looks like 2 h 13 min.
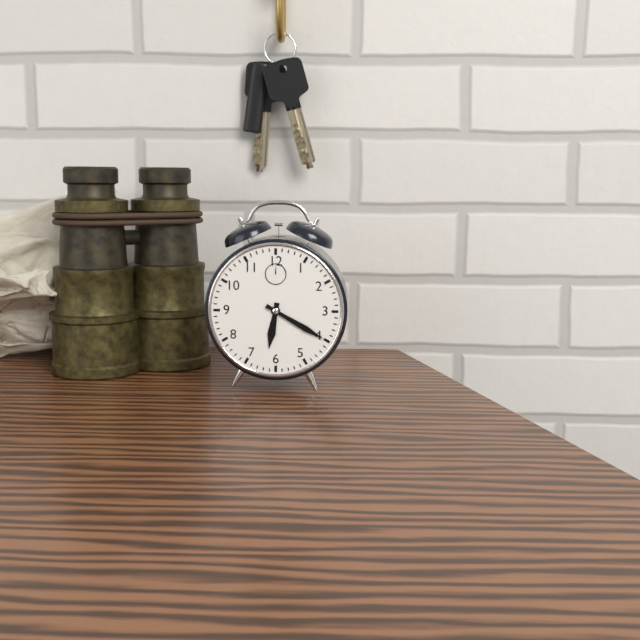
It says 6 h 20 min
